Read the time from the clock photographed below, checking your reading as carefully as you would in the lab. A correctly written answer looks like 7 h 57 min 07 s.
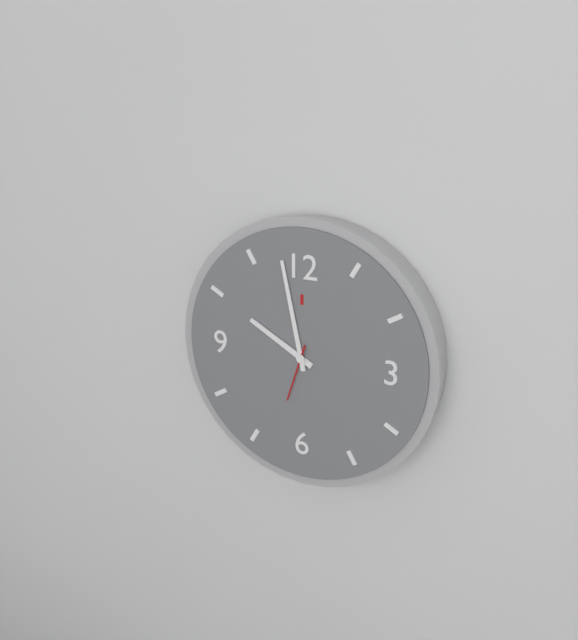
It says 9 h 58 min 33 s
